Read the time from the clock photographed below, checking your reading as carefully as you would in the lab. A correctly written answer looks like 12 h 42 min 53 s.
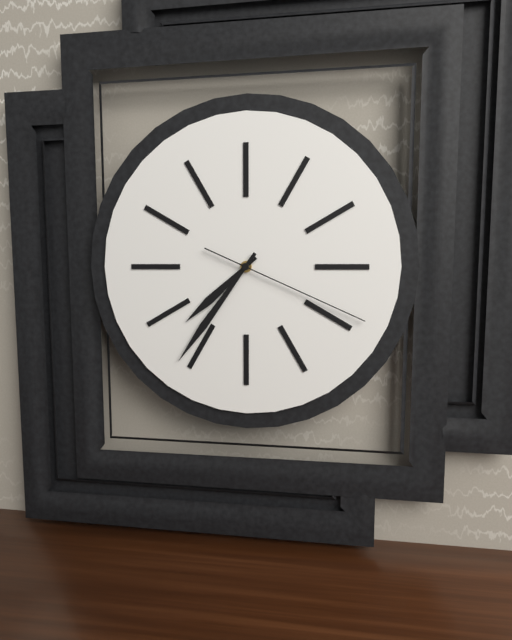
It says 7 h 36 min 19 s
